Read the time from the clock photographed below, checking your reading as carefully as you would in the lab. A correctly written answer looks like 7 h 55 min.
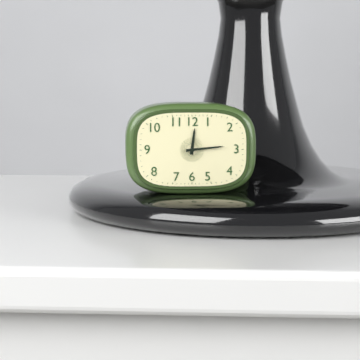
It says 12 h 14 min
